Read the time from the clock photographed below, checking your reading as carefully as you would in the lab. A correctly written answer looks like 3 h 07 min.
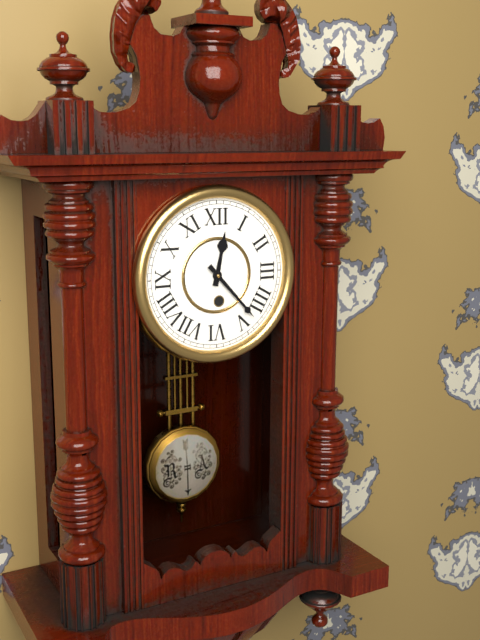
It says 12 h 23 min
